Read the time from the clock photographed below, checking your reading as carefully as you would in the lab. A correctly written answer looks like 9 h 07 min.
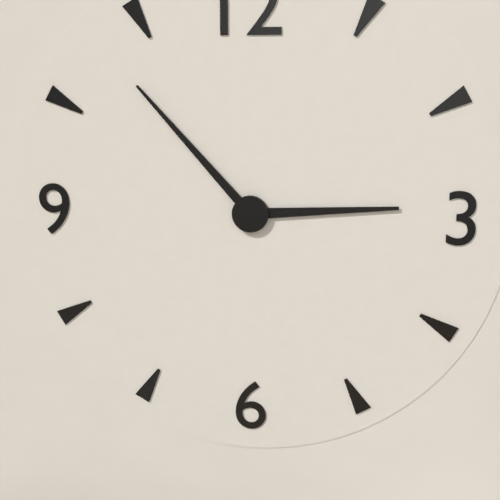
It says 2 h 53 min
